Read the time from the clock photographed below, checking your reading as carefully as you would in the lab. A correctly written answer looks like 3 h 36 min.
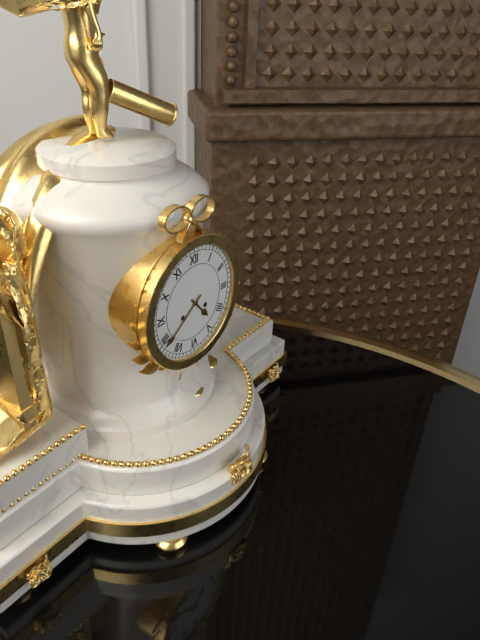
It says 4 h 39 min
